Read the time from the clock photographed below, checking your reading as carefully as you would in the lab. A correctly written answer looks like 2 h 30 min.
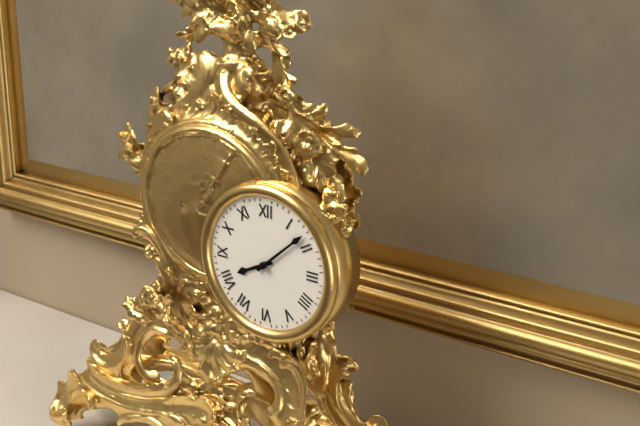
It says 8 h 08 min
